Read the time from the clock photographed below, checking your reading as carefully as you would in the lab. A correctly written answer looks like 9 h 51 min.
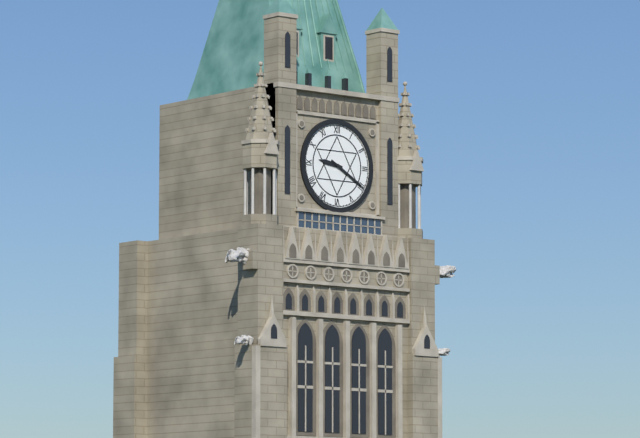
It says 9 h 20 min
